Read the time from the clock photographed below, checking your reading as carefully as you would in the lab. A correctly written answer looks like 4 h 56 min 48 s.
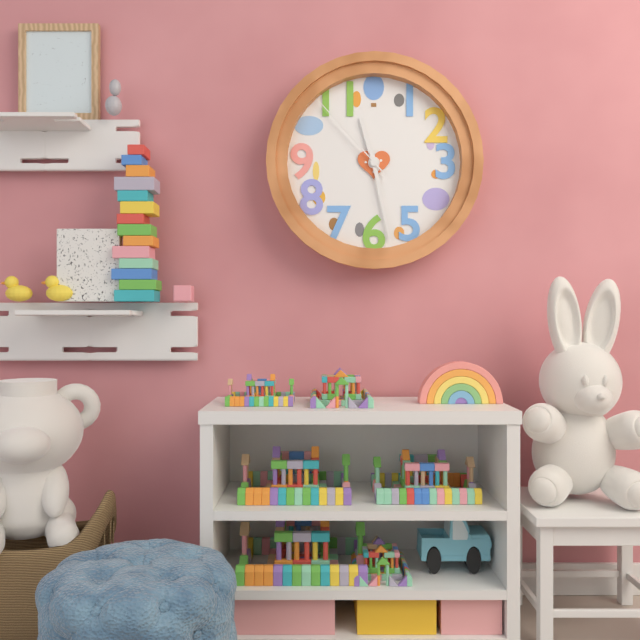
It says 11 h 28 min 53 s
